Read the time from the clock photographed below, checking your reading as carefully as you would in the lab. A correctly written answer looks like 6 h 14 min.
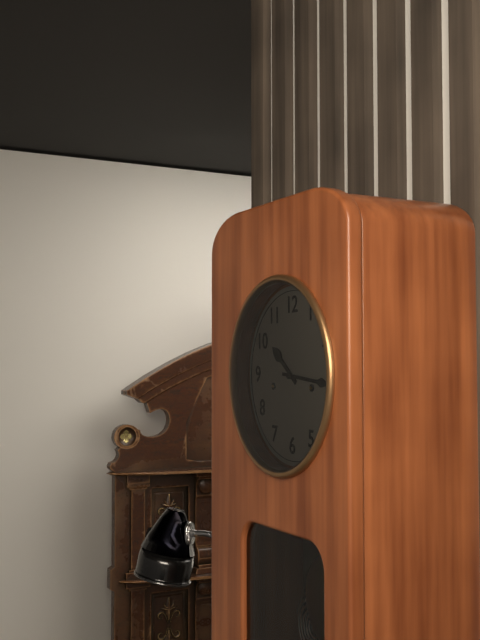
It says 10 h 16 min
